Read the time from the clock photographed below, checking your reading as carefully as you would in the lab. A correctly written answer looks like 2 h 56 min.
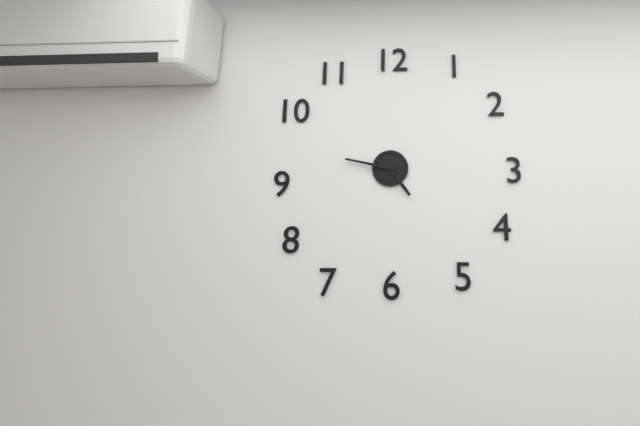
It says 4 h 47 min
